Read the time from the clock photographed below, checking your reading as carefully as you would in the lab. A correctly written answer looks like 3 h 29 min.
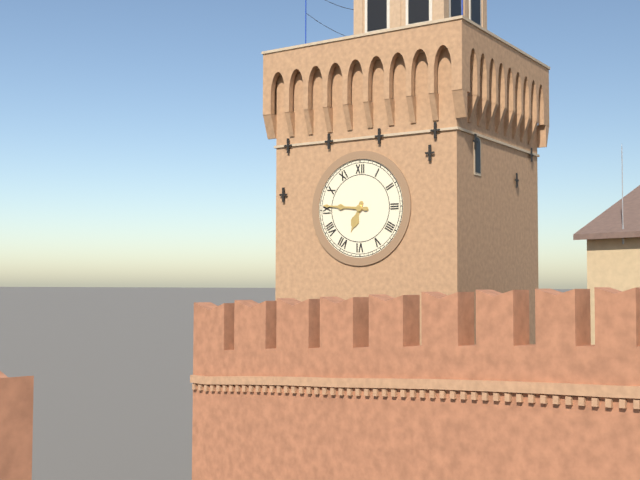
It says 6 h 46 min
